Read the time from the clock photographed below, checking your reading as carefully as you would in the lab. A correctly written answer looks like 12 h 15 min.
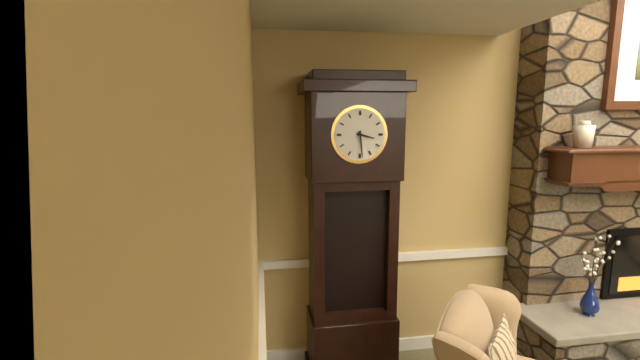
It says 3 h 29 min
